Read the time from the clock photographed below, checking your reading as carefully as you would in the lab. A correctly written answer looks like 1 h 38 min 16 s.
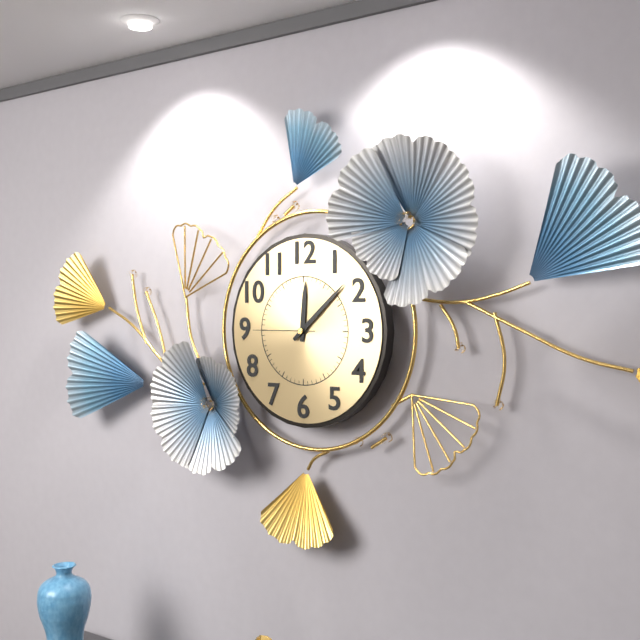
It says 12 h 08 min 45 s
